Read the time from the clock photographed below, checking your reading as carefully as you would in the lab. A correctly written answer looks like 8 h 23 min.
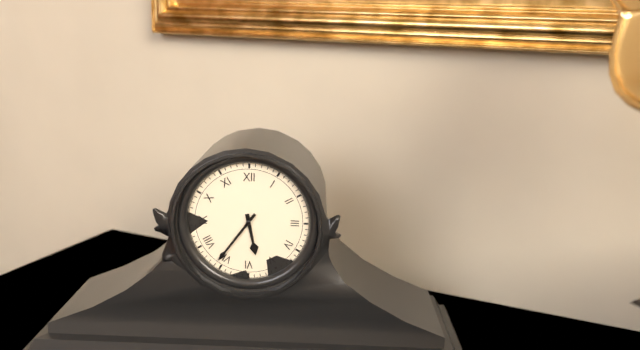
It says 5 h 36 min
